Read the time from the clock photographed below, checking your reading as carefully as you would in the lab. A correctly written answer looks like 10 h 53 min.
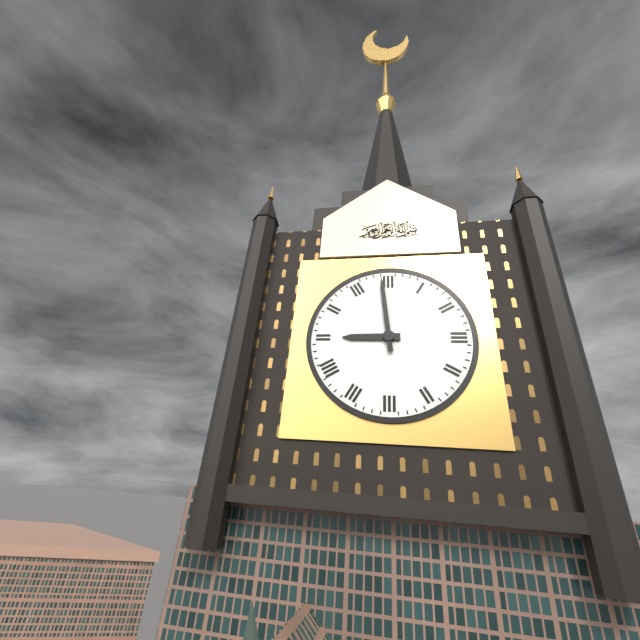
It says 8 h 59 min
